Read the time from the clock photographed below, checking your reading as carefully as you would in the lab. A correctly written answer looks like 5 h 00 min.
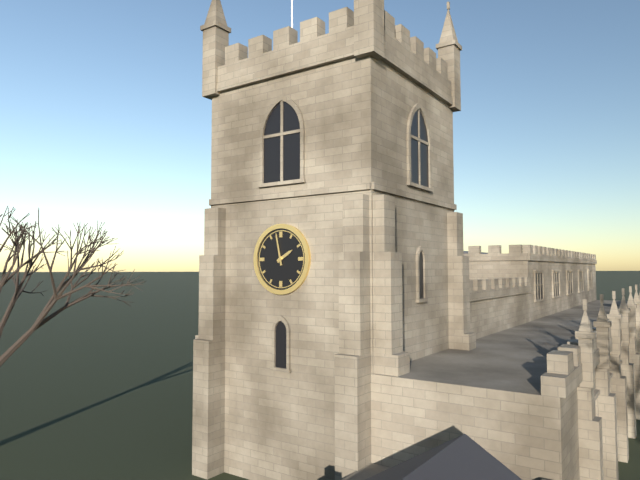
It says 1 h 58 min
